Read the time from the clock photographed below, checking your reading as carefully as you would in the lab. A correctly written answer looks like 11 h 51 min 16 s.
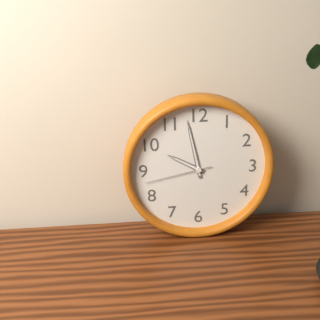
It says 9 h 58 min 43 s
